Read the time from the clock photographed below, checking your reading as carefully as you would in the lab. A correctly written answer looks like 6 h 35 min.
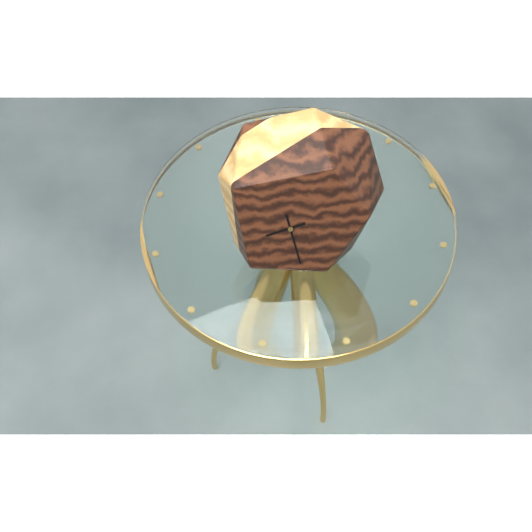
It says 8 h 28 min
